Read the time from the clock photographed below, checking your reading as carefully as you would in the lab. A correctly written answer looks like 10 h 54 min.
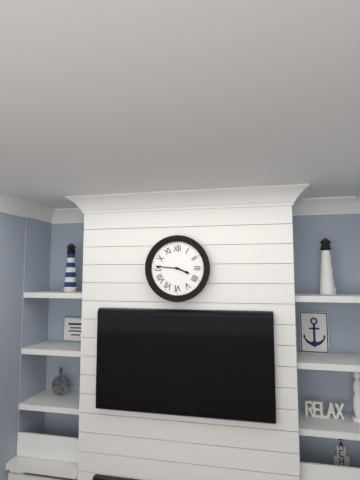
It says 3 h 46 min
